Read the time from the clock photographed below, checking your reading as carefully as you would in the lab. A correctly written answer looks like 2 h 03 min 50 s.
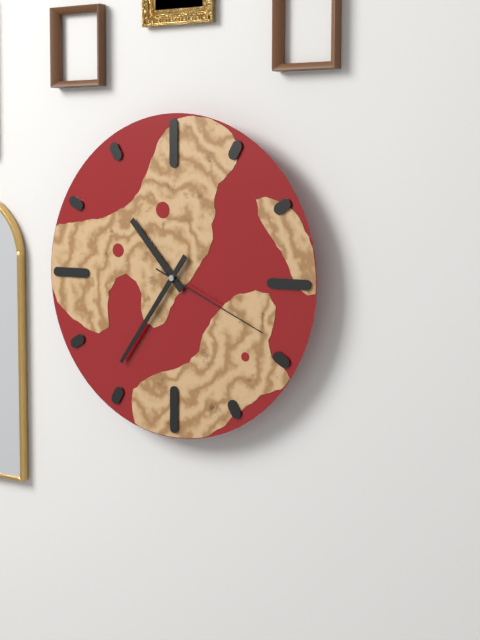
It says 10 h 36 min 19 s
